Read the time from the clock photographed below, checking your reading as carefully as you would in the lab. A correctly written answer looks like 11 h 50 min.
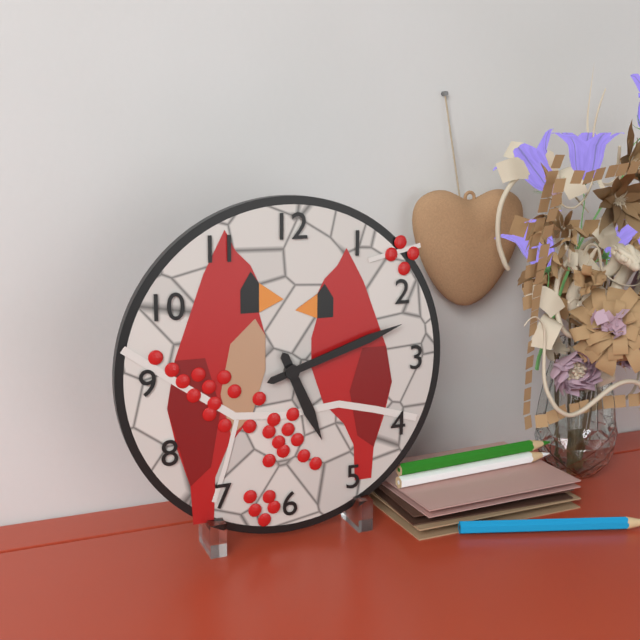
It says 5 h 12 min
